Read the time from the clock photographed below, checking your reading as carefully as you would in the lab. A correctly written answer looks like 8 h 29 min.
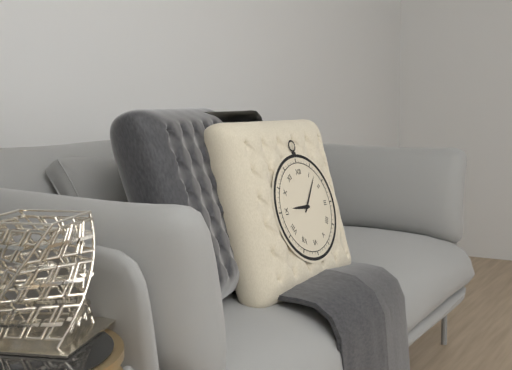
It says 9 h 07 min
